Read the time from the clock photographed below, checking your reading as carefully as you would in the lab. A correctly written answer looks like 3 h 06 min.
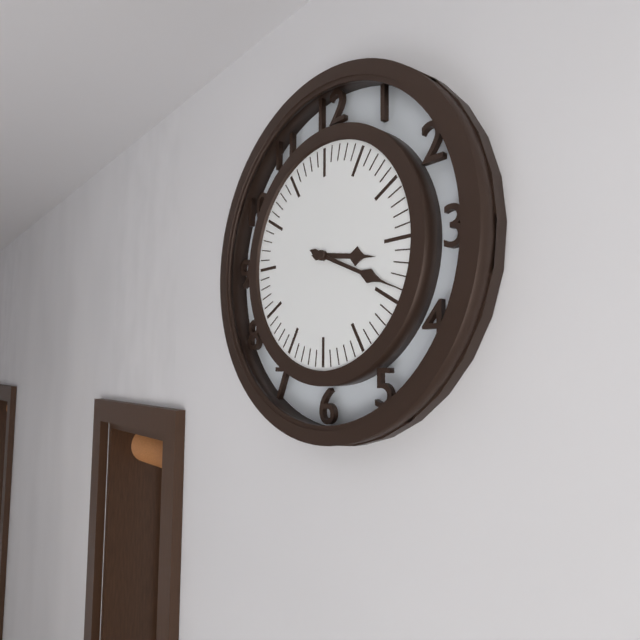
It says 3 h 19 min
